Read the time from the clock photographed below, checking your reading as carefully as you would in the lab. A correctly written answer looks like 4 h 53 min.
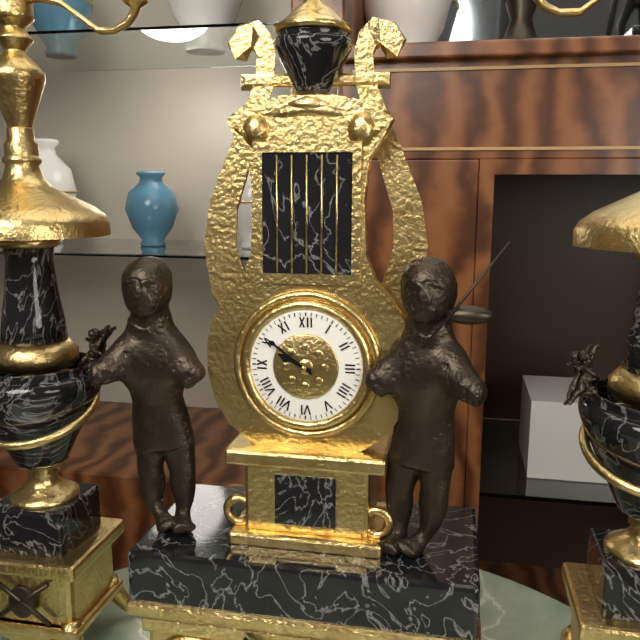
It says 9 h 51 min
